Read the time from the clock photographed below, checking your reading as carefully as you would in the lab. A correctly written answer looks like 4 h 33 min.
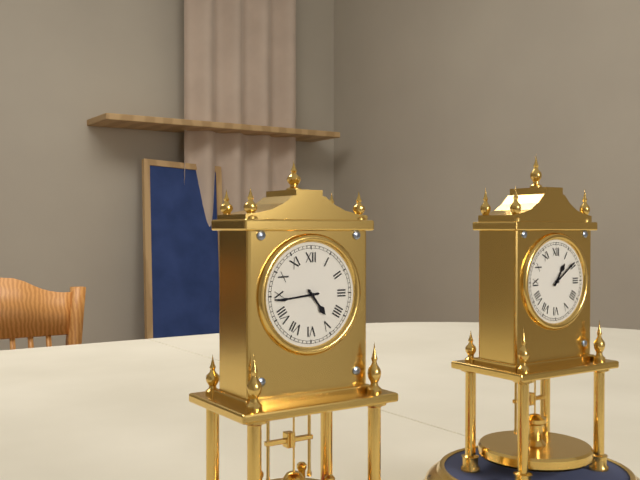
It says 4 h 44 min
